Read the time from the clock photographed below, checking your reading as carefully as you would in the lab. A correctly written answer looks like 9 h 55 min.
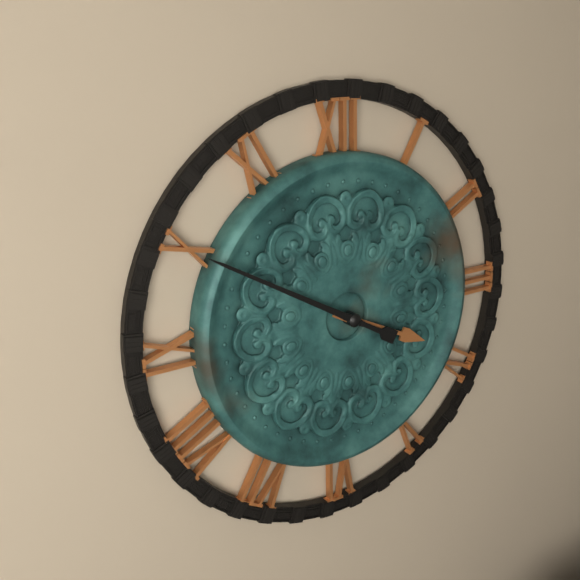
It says 3 h 50 min
